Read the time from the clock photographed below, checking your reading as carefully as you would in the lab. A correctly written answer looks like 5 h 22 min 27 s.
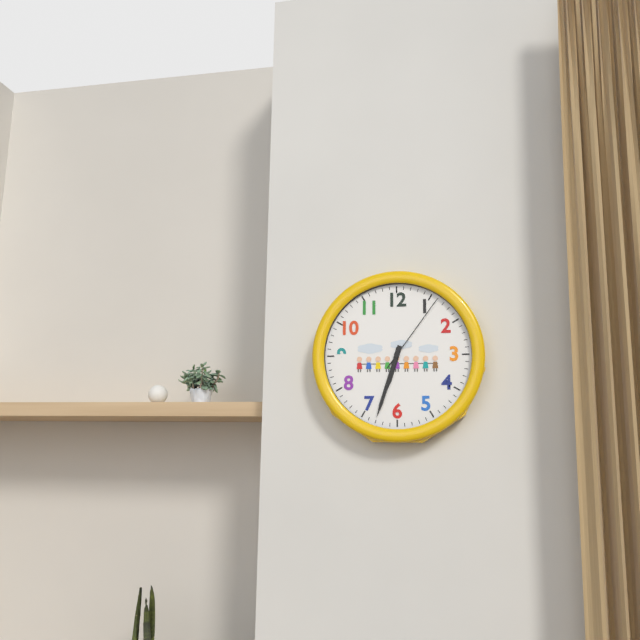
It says 6 h 33 min 06 s
